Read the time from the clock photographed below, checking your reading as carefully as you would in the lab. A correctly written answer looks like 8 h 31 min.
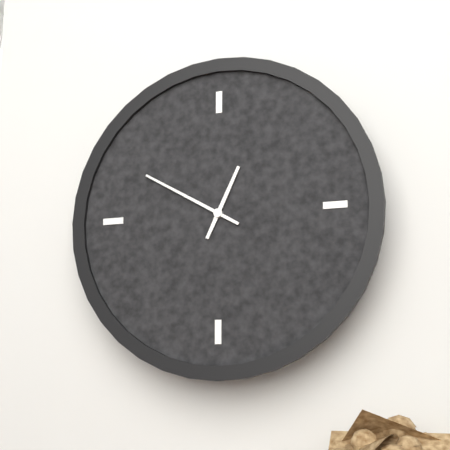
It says 12 h 50 min
